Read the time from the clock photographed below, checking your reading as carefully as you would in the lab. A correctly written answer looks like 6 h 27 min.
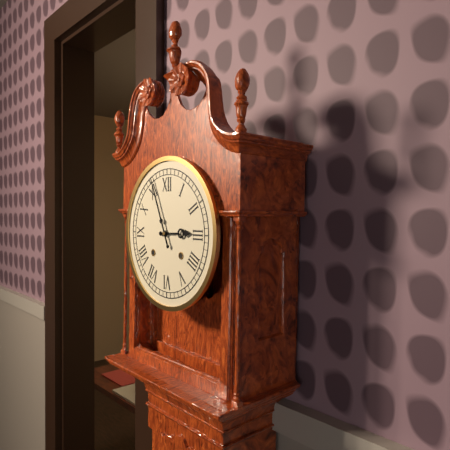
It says 2 h 56 min
